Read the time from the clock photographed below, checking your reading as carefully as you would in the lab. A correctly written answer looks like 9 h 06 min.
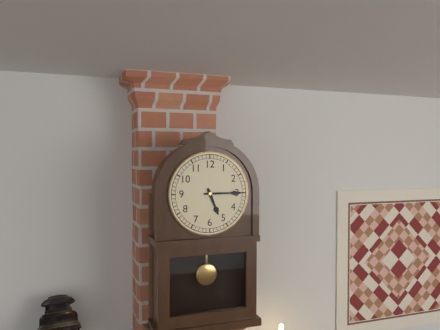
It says 5 h 15 min
